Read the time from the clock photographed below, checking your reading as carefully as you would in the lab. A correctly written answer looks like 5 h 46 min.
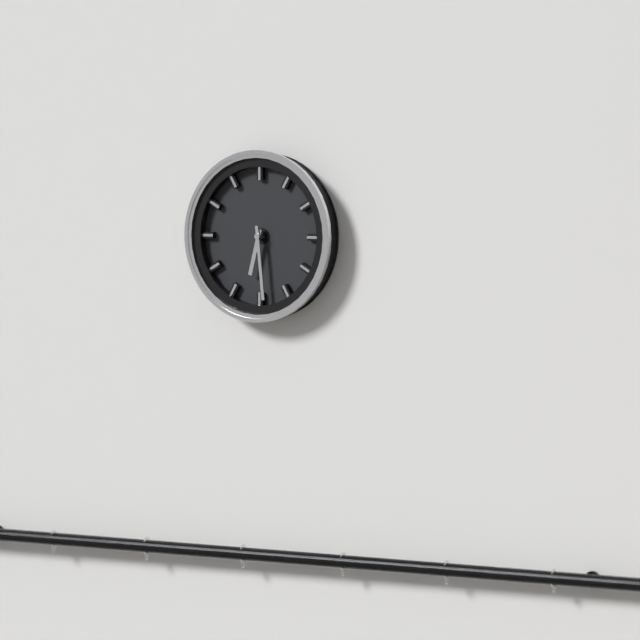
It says 6 h 29 min
